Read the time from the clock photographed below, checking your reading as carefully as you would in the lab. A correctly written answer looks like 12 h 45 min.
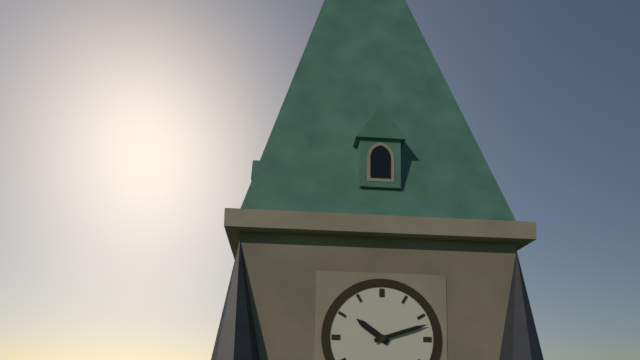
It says 10 h 12 min
